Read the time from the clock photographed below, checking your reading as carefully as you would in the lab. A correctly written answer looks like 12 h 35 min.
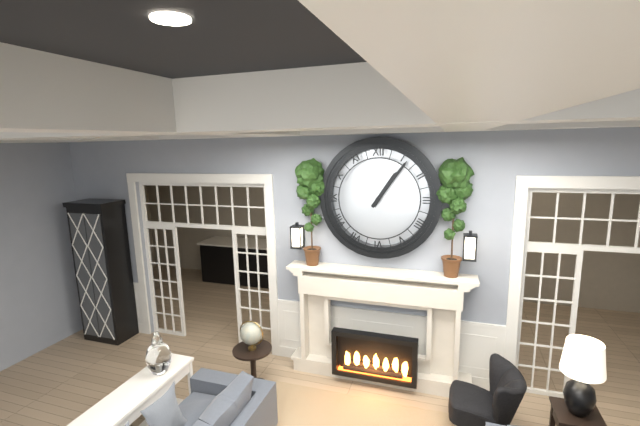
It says 1 h 06 min
